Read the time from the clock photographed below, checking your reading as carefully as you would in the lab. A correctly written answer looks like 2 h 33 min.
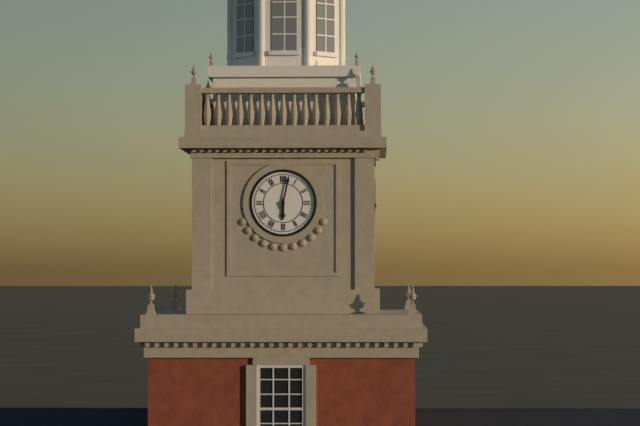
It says 6 h 02 min
